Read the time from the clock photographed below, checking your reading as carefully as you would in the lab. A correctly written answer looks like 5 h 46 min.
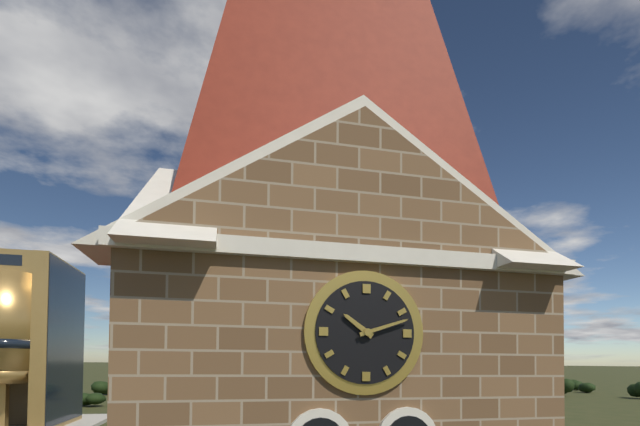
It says 10 h 12 min
